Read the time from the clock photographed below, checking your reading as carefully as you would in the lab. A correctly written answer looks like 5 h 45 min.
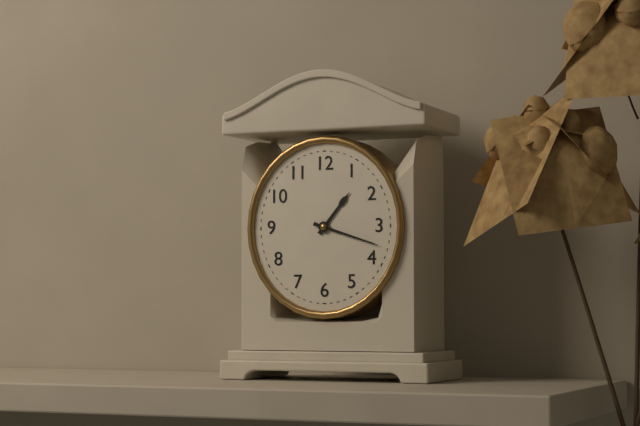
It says 1 h 18 min
